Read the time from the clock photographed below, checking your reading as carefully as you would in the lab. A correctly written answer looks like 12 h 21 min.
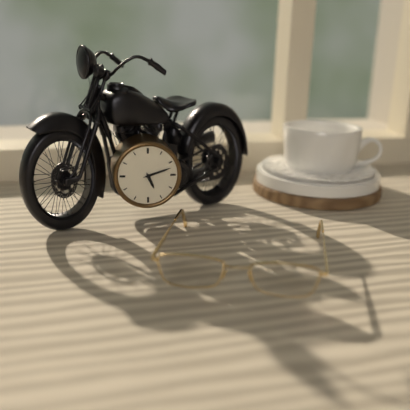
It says 5 h 12 min
